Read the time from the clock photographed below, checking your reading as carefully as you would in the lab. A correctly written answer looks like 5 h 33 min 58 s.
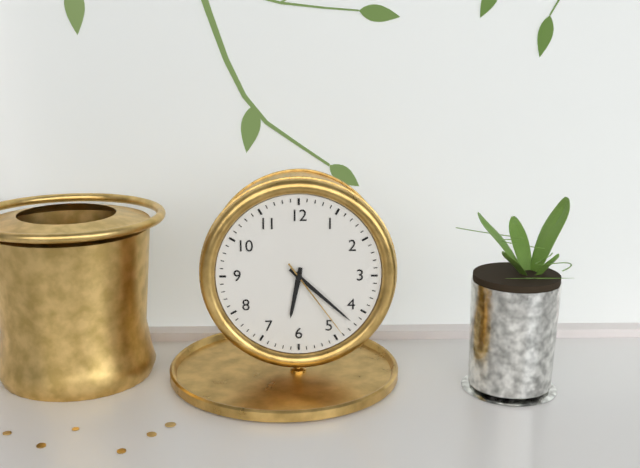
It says 6 h 22 min 24 s
